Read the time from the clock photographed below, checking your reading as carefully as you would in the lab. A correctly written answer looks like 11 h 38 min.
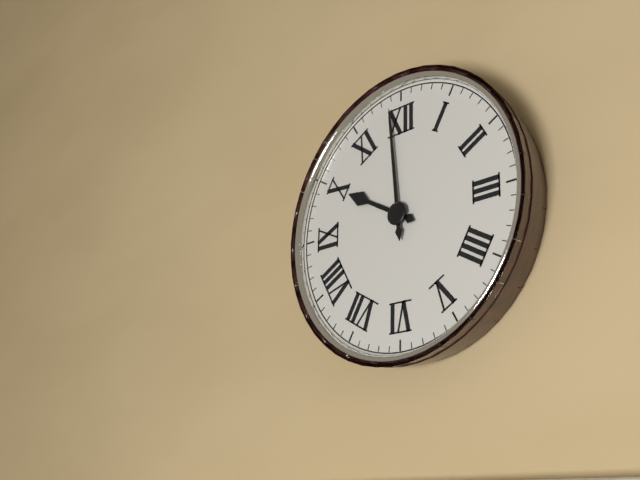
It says 9 h 59 min
